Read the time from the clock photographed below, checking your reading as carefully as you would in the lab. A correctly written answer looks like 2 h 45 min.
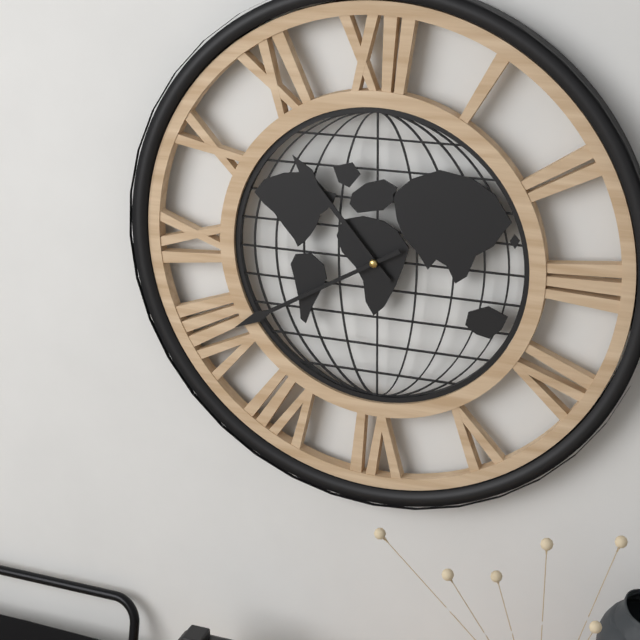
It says 10 h 40 min
